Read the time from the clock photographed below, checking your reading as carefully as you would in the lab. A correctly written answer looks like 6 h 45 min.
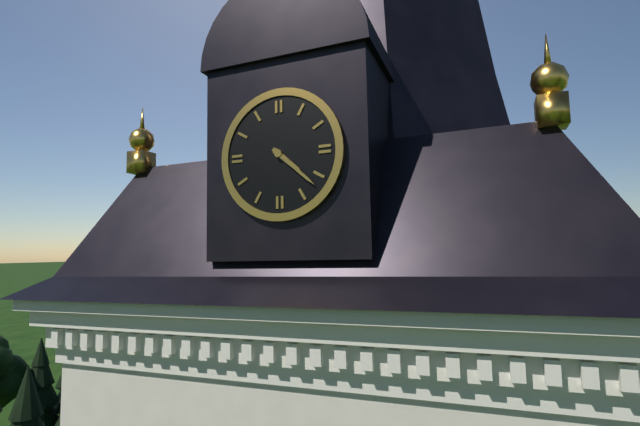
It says 4 h 22 min
